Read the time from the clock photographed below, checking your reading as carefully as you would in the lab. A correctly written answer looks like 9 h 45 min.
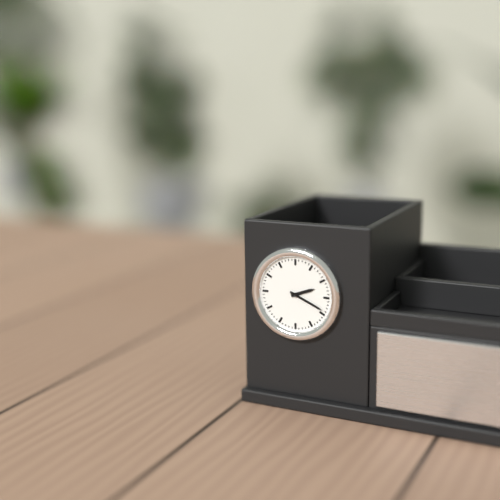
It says 2 h 19 min
